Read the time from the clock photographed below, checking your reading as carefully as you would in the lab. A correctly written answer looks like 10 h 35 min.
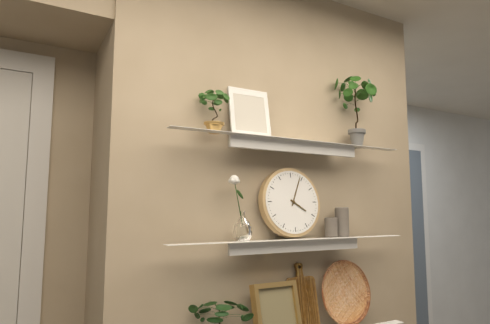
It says 4 h 04 min
